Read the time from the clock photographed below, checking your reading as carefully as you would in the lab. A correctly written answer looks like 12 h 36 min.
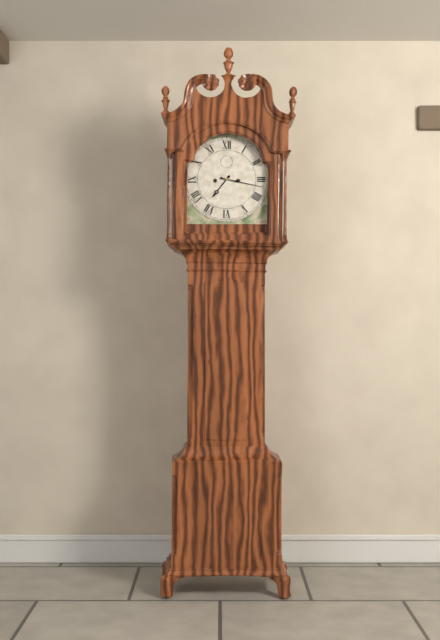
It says 7 h 17 min
